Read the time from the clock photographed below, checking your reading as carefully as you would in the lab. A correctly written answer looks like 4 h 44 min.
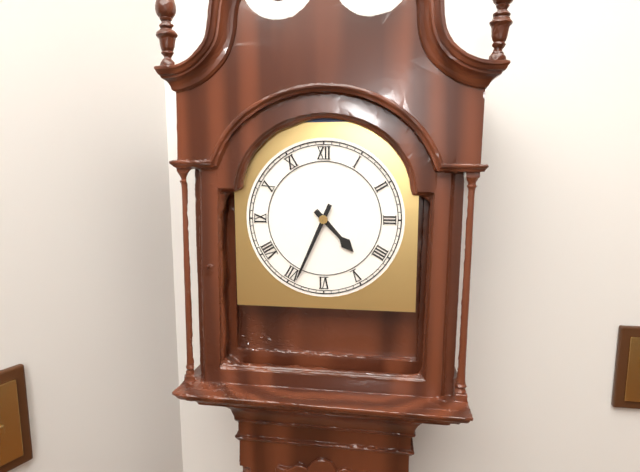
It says 4 h 34 min
